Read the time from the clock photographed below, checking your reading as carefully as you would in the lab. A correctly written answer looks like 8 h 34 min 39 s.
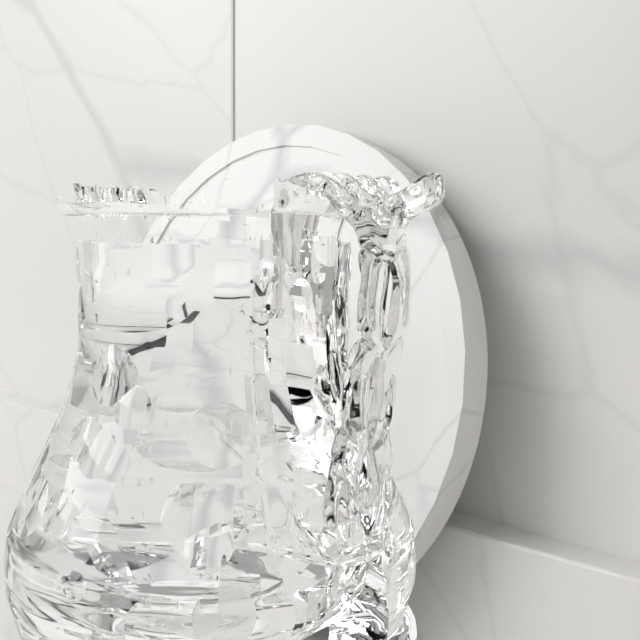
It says 10 h 21 min 15 s
